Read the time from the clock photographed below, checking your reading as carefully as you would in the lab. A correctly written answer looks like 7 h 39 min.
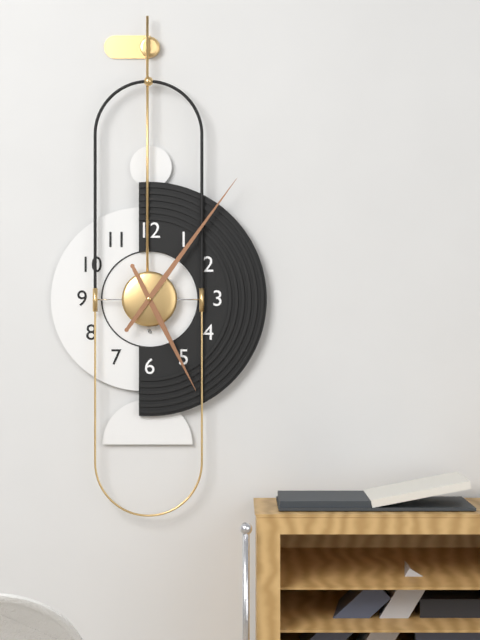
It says 5 h 06 min
